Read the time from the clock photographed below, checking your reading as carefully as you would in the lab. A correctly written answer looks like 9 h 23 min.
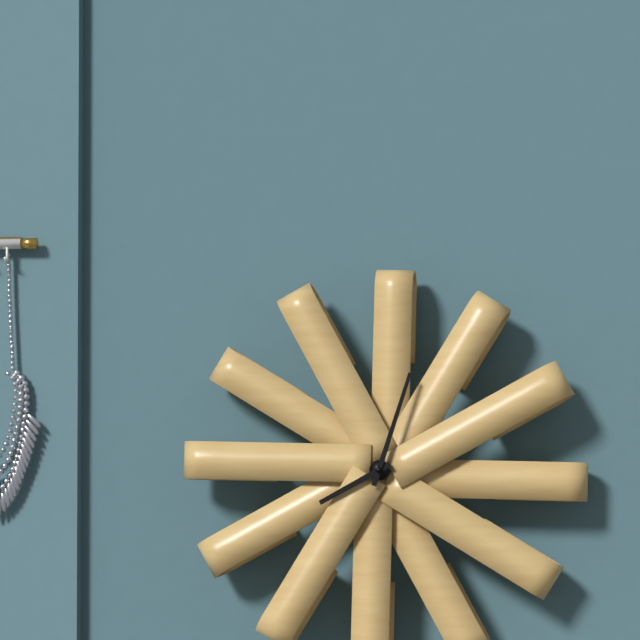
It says 8 h 03 min
